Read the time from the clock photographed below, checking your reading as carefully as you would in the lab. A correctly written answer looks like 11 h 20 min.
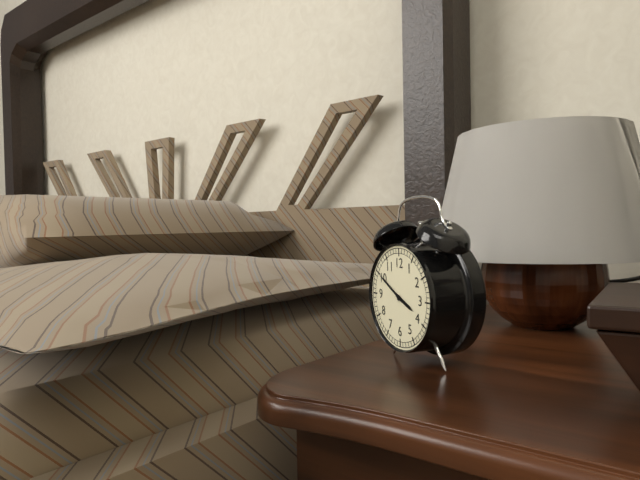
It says 3 h 50 min
